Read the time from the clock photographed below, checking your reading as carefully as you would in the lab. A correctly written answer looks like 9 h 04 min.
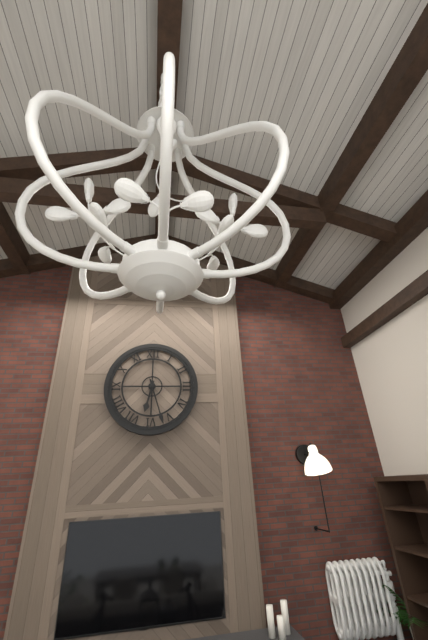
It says 6 h 27 min
